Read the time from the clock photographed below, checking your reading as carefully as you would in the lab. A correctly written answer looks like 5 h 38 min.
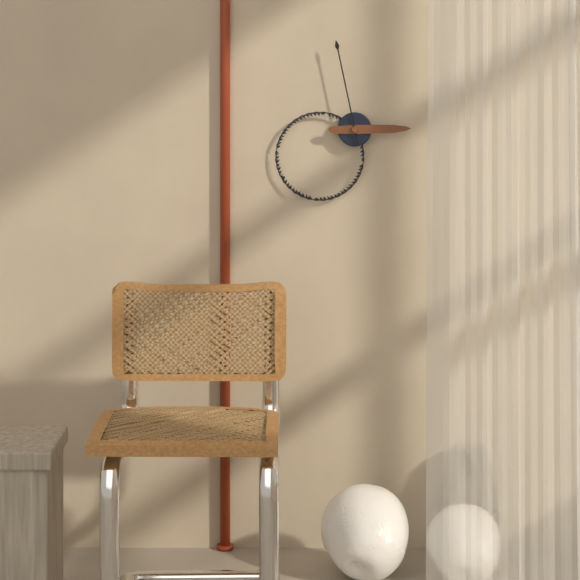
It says 2 h 58 min
